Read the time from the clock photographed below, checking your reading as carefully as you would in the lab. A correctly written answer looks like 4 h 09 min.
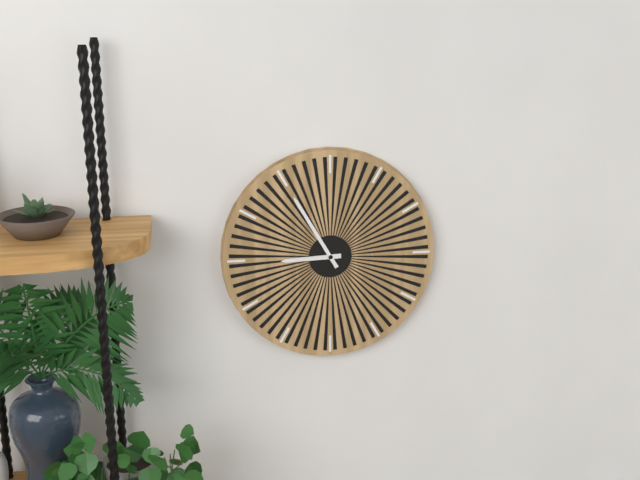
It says 8 h 55 min
